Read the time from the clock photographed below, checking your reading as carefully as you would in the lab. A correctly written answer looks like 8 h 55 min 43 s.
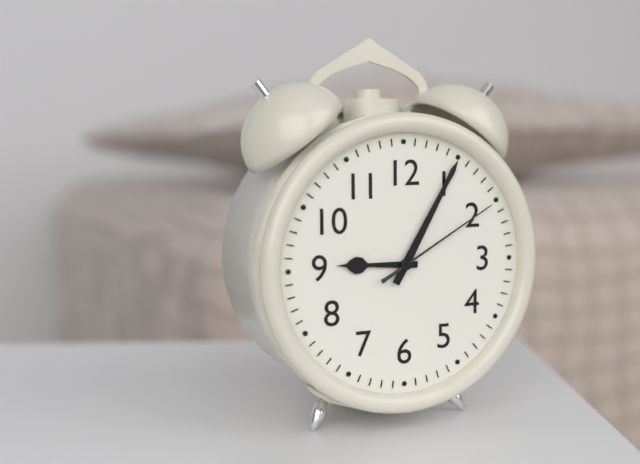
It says 9 h 05 min 10 s
